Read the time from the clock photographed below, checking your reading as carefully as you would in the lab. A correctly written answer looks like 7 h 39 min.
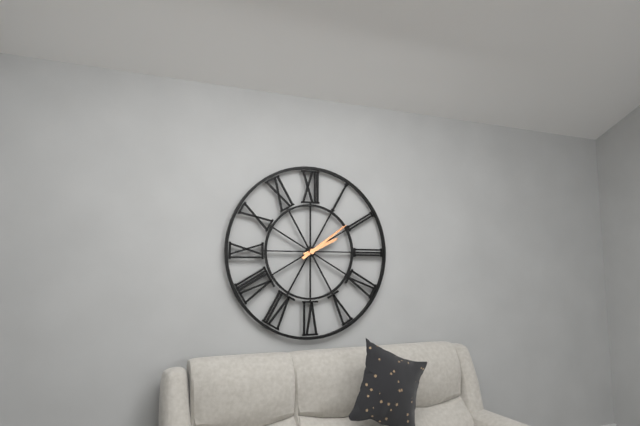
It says 2 h 09 min
